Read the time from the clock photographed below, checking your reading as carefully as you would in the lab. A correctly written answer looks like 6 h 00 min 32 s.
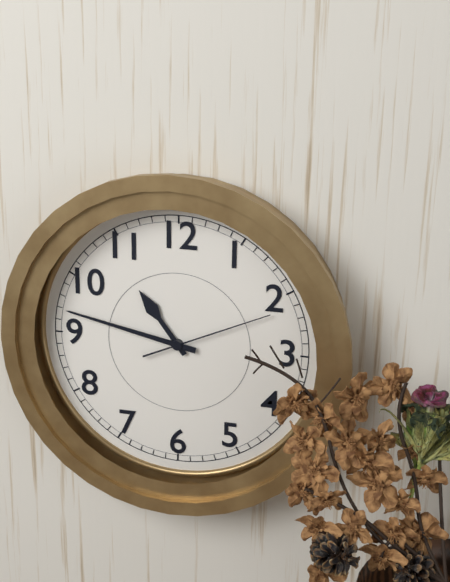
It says 10 h 47 min 11 s
